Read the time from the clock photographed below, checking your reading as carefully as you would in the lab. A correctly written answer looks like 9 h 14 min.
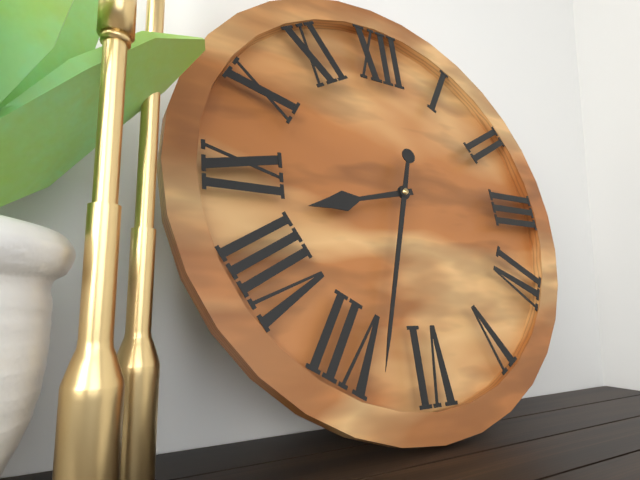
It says 8 h 33 min
